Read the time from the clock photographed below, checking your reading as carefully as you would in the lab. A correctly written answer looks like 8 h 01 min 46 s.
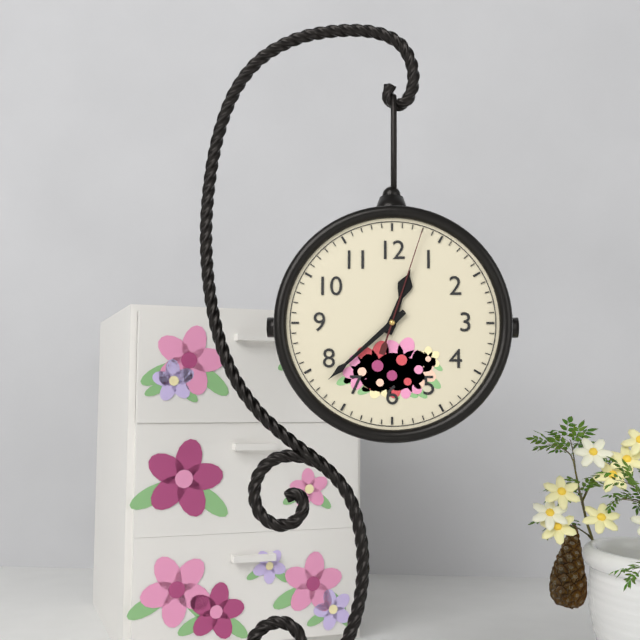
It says 12 h 38 min 03 s
